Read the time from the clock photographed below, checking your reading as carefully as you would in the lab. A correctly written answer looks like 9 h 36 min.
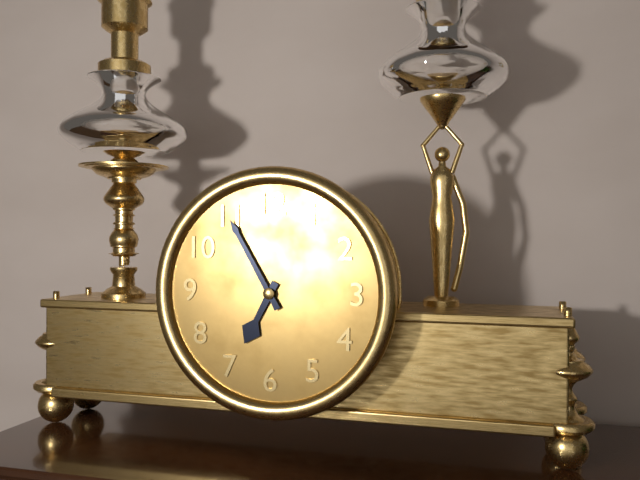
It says 6 h 55 min
